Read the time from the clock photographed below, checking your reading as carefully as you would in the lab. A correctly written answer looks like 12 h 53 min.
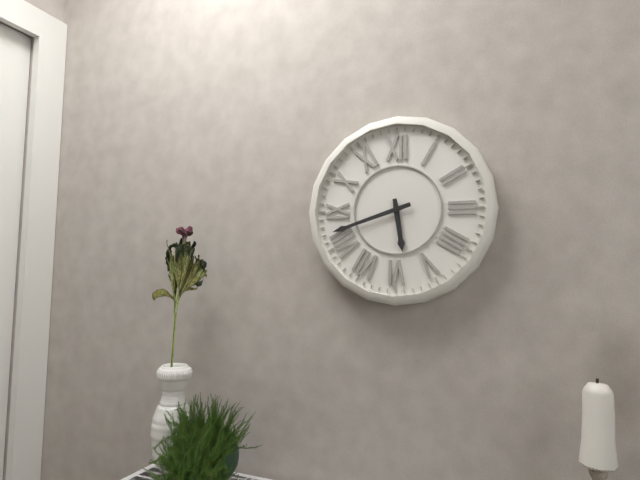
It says 5 h 42 min
